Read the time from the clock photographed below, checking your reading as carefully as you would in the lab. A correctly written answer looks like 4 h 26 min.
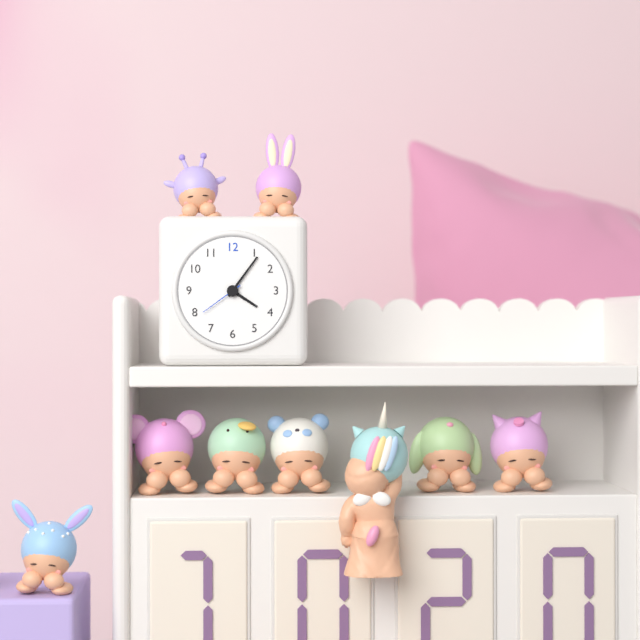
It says 4 h 06 min
